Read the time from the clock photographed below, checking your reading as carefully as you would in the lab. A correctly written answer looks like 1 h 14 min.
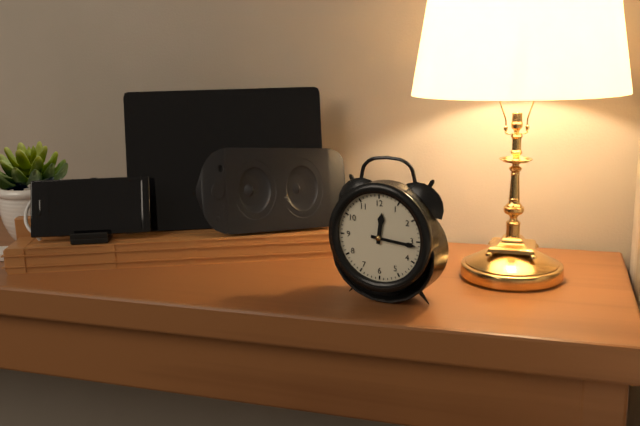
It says 12 h 16 min
